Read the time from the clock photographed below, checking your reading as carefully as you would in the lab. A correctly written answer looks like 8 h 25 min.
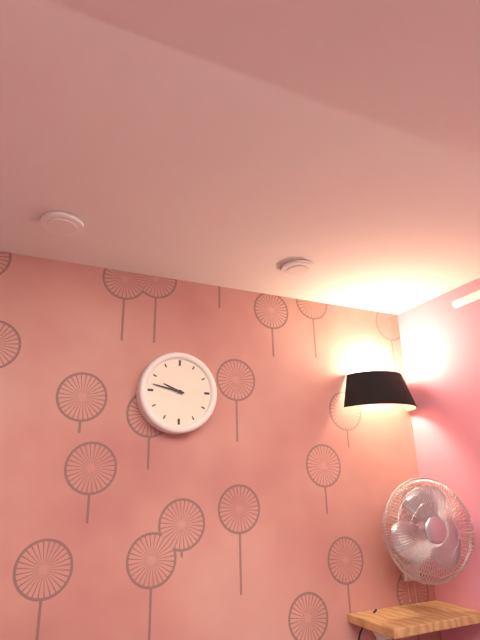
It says 9 h 47 min
